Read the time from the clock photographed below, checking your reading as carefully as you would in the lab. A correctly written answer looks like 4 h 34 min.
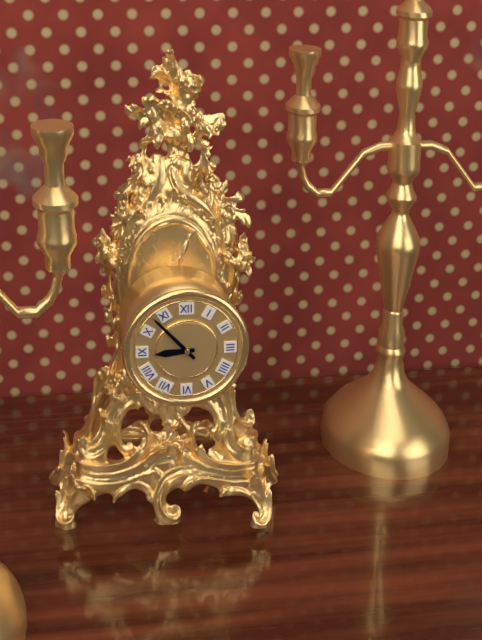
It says 8 h 53 min
